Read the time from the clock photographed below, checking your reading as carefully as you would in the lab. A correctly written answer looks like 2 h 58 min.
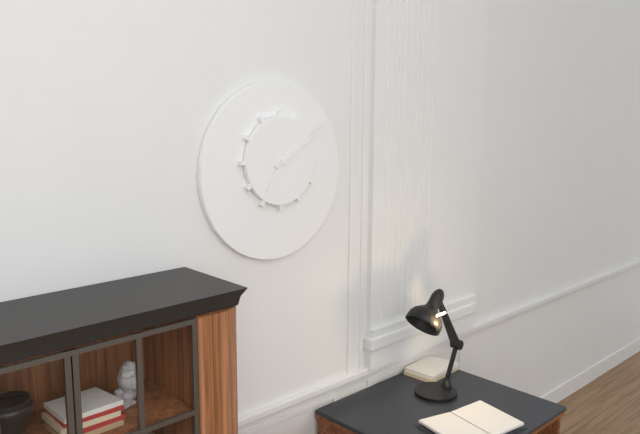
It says 7 h 10 min
